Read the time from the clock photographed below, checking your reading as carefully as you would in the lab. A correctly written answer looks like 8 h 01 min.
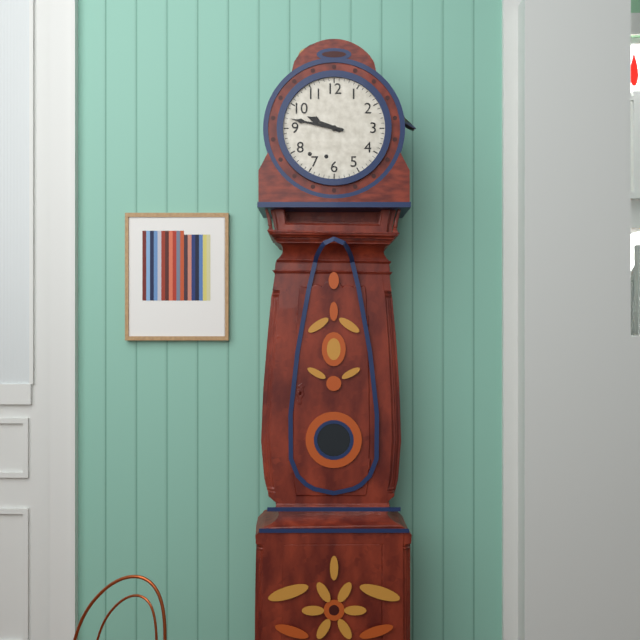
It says 9 h 47 min
